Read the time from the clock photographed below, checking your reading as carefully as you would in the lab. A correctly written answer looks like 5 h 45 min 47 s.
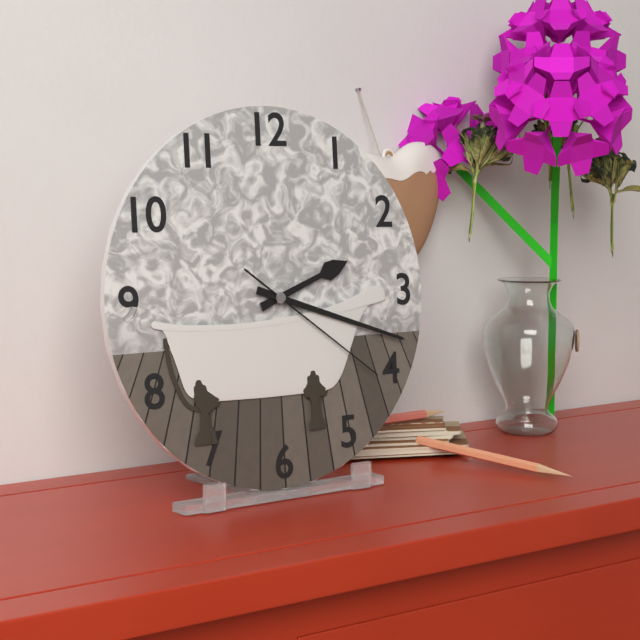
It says 2 h 18 min 21 s
